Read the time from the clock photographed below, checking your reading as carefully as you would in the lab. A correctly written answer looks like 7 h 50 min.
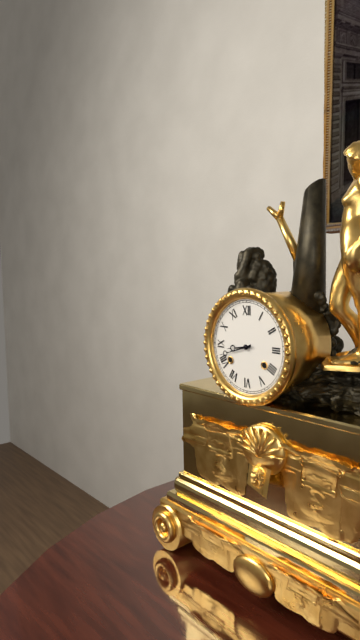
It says 8 h 42 min
